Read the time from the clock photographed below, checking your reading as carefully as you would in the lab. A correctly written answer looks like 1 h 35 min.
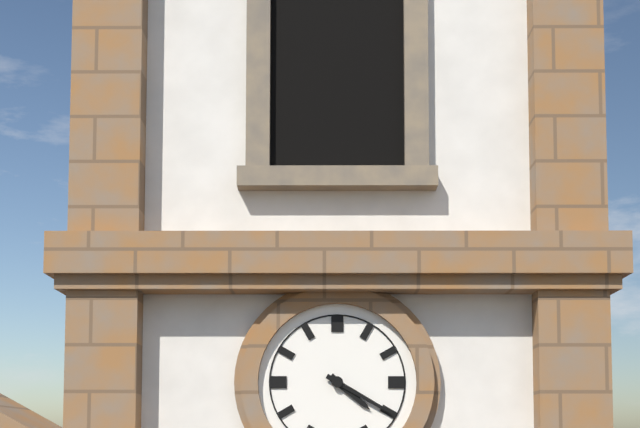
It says 4 h 20 min
